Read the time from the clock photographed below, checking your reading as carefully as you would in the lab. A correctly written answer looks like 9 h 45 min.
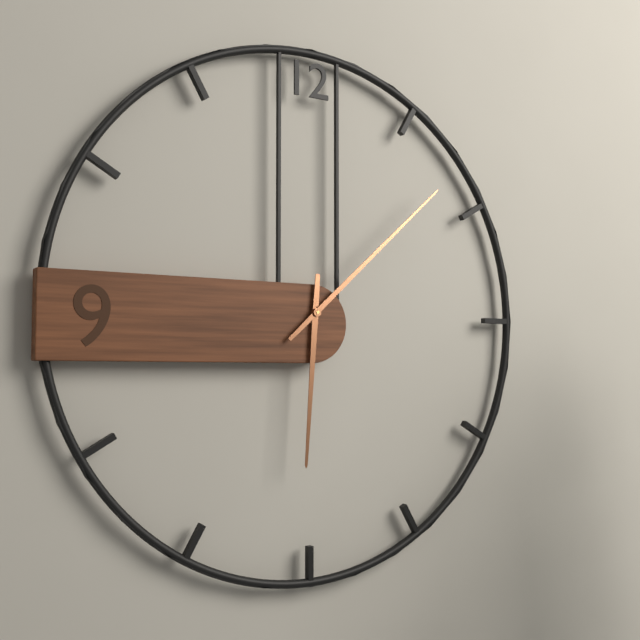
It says 6 h 08 min
